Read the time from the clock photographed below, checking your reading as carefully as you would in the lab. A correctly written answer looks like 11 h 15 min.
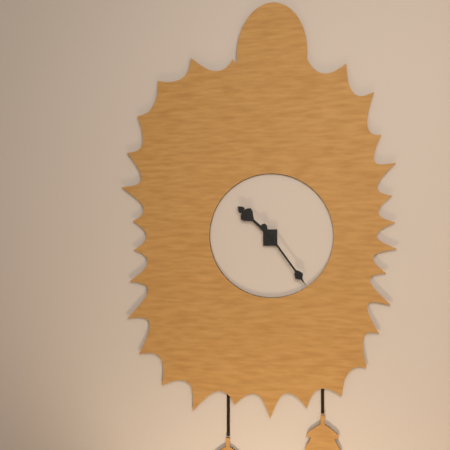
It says 10 h 24 min
